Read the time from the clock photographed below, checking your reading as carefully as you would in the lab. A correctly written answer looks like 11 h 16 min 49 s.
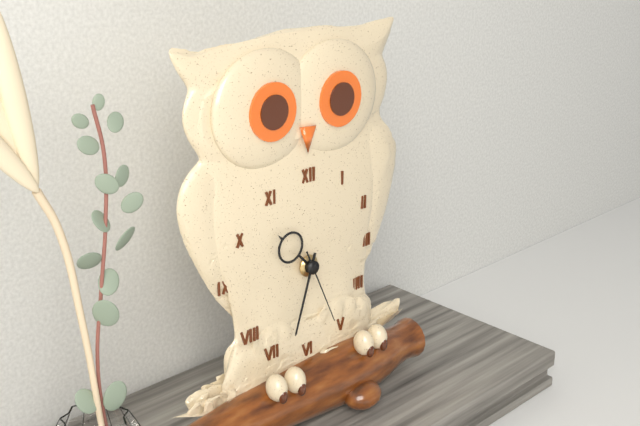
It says 10 h 33 min 26 s
